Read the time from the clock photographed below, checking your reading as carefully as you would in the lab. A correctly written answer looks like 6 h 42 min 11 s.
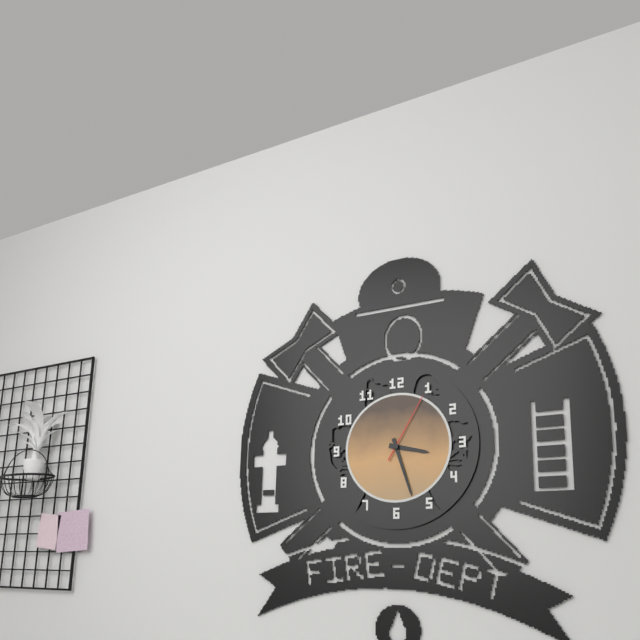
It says 3 h 27 min 05 s
